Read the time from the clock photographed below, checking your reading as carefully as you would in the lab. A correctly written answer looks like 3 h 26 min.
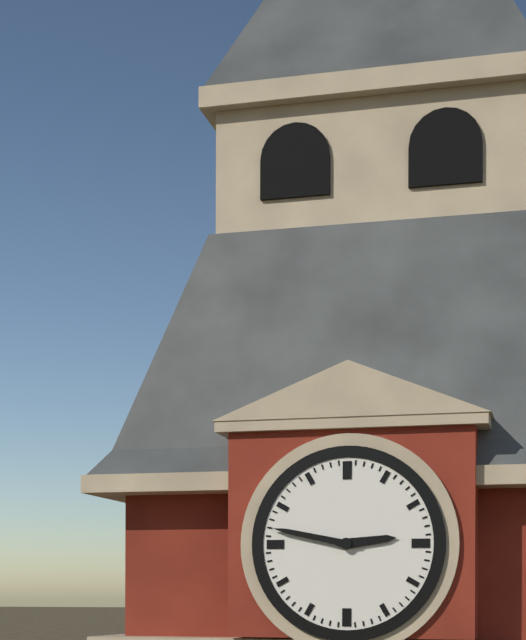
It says 2 h 47 min
